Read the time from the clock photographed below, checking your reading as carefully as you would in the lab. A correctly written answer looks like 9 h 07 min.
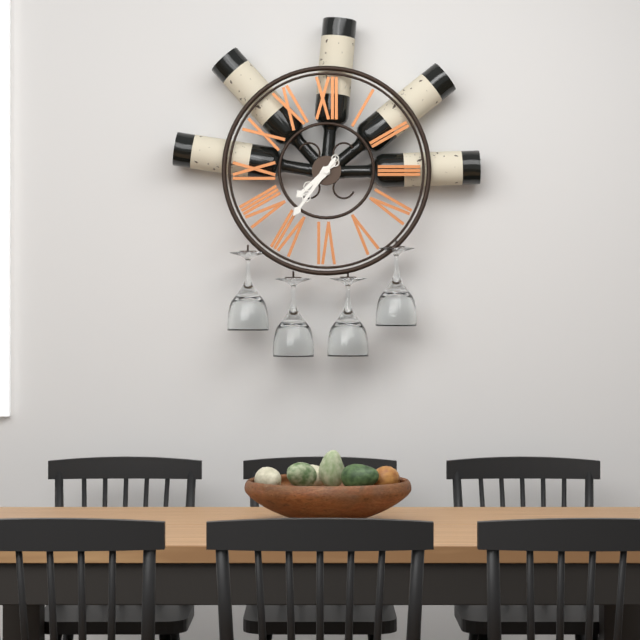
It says 7 h 36 min
